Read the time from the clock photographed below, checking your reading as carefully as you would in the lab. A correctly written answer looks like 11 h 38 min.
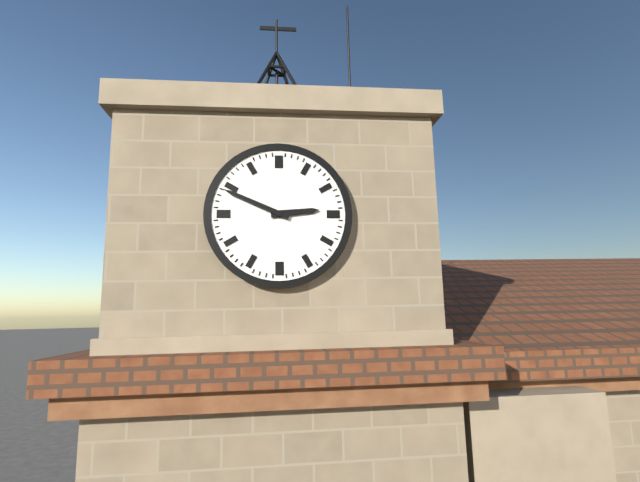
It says 2 h 49 min
